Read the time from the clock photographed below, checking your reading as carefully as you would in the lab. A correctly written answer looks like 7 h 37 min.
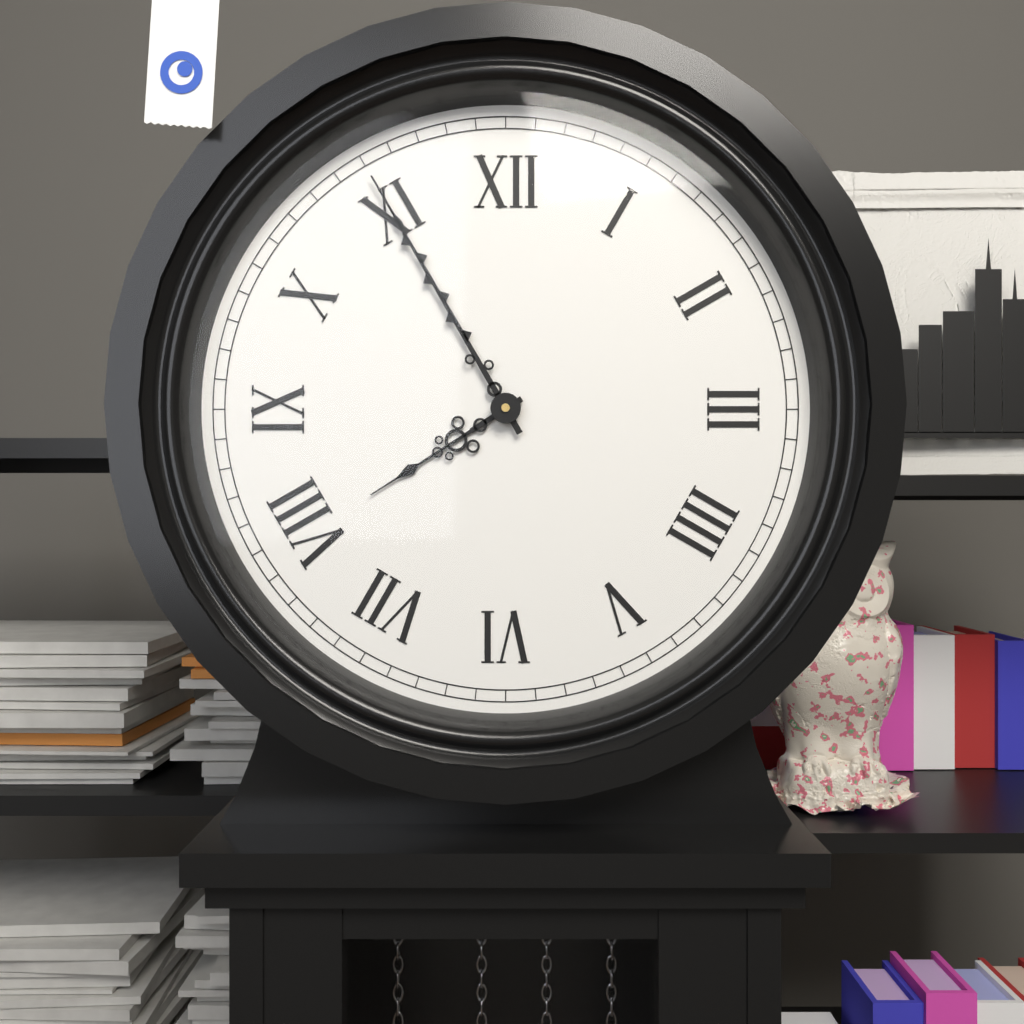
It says 7 h 55 min
